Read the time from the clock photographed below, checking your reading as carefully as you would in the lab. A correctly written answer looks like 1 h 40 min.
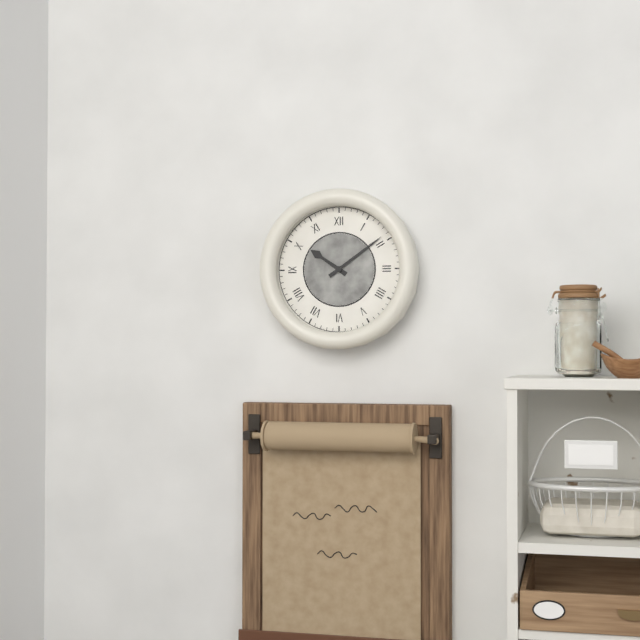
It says 10 h 09 min
